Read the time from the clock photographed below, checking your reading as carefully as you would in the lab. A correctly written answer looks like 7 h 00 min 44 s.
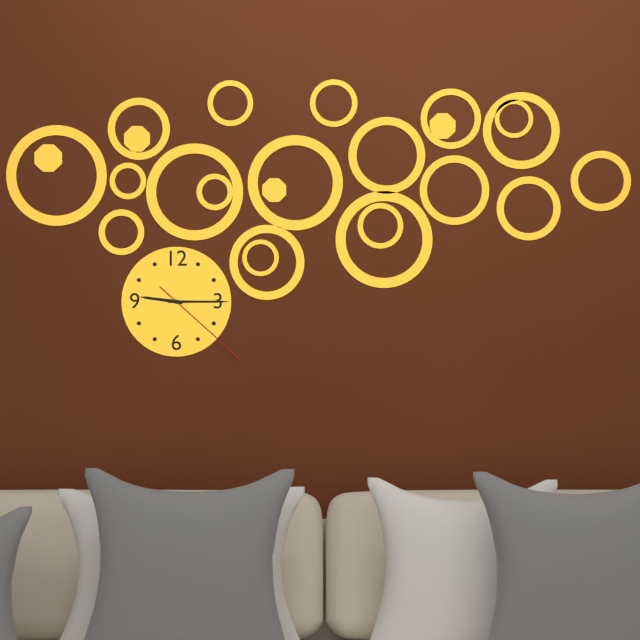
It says 9 h 15 min 22 s
